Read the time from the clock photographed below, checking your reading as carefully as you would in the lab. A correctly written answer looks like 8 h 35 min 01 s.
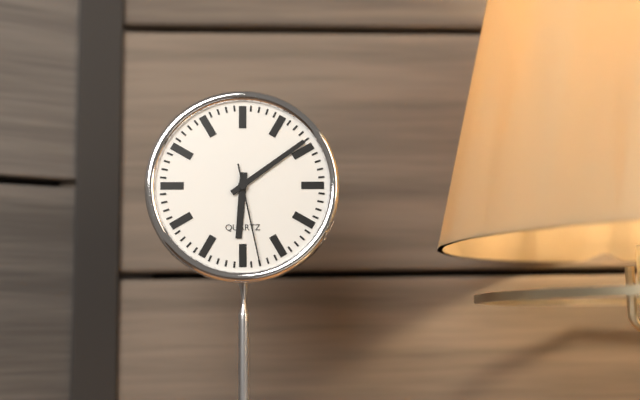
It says 6 h 09 min 28 s
